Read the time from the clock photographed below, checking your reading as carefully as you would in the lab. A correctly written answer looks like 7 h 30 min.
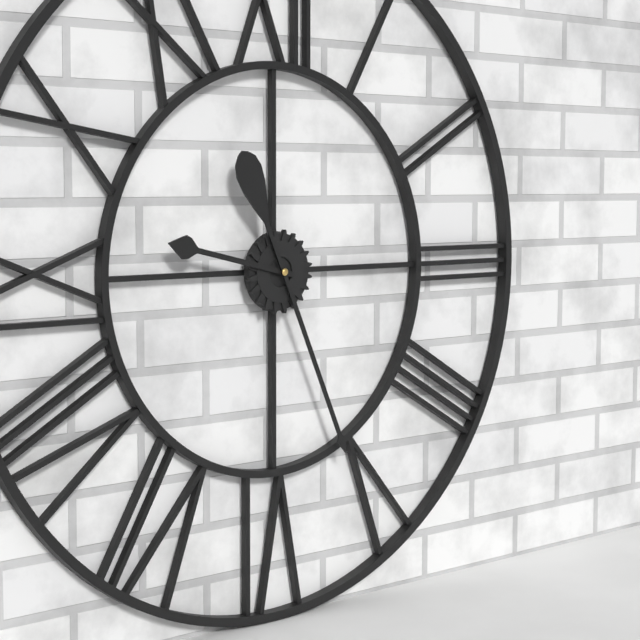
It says 9 h 26 min
